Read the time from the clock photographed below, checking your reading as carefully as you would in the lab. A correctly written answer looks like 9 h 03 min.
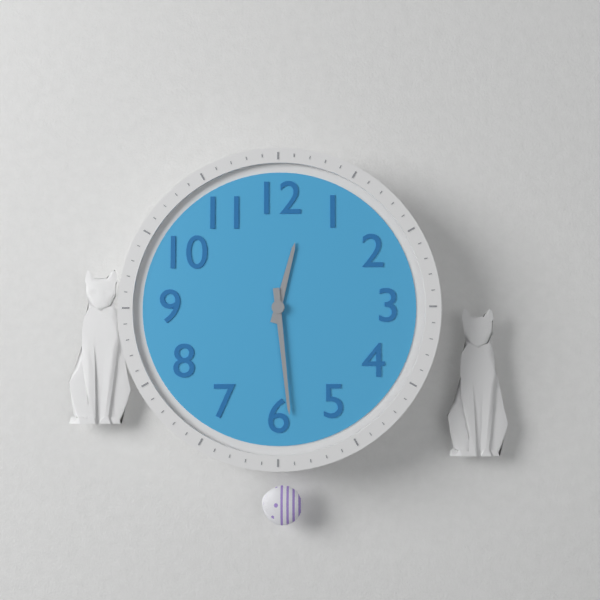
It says 12 h 29 min
